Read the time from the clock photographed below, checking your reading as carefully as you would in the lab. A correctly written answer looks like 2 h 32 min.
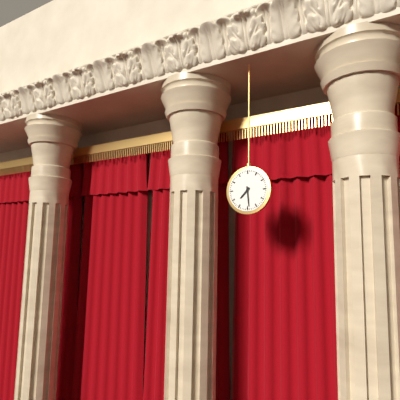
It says 7 h 29 min
